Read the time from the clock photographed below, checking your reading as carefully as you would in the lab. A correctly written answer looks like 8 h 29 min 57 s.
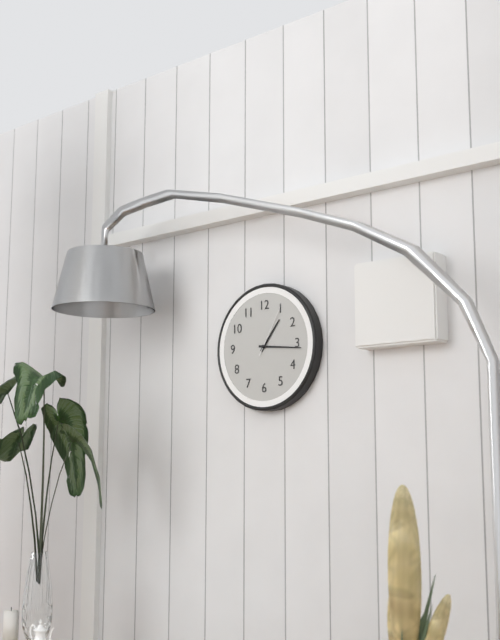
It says 1 h 16 min 05 s
